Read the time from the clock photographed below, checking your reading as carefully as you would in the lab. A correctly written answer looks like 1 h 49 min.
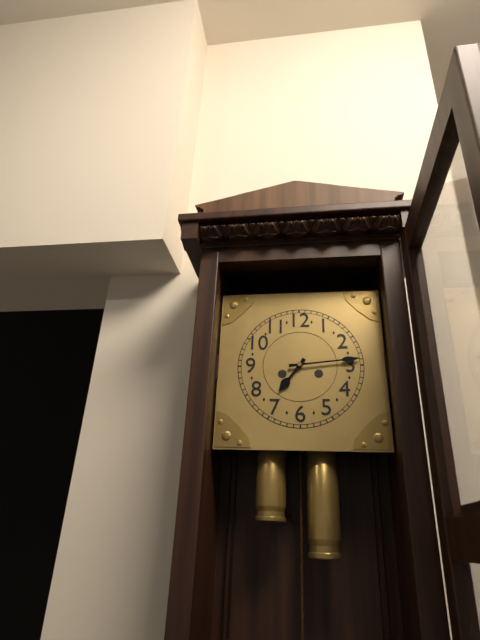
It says 7 h 14 min
